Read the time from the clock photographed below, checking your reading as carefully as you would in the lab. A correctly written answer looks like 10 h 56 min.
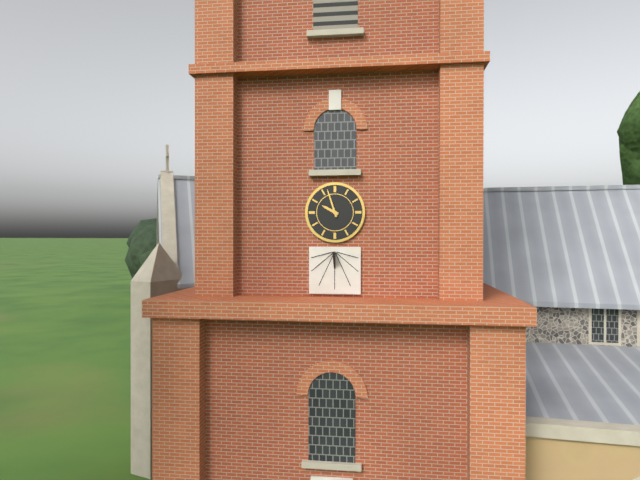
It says 9 h 57 min
